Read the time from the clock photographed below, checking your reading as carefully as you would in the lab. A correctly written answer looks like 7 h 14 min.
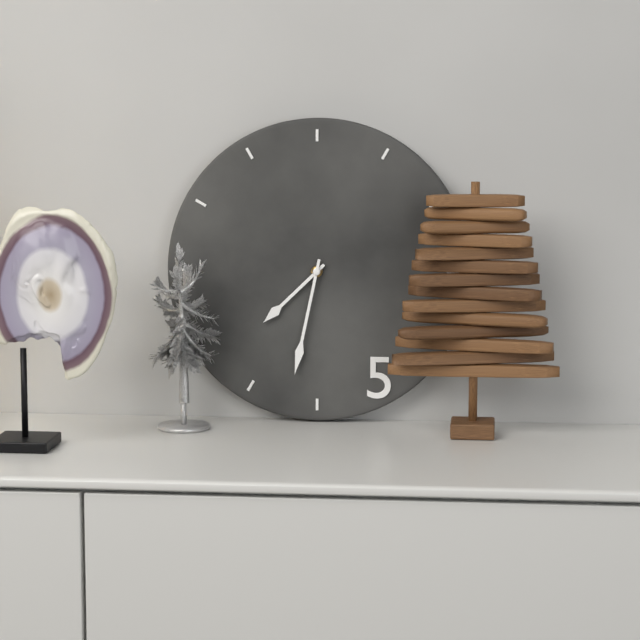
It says 7 h 32 min
